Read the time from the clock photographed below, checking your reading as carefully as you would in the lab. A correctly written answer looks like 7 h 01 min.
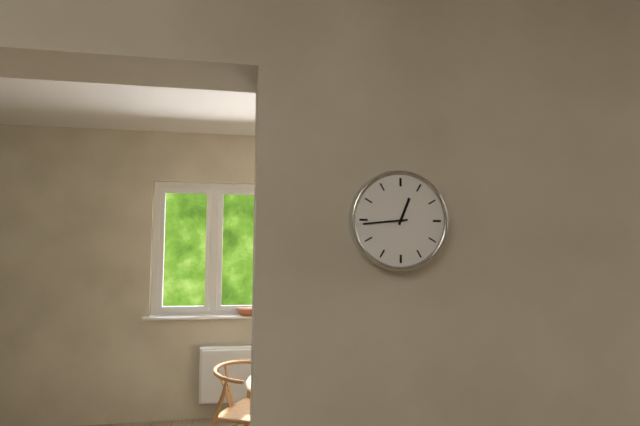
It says 12 h 44 min
